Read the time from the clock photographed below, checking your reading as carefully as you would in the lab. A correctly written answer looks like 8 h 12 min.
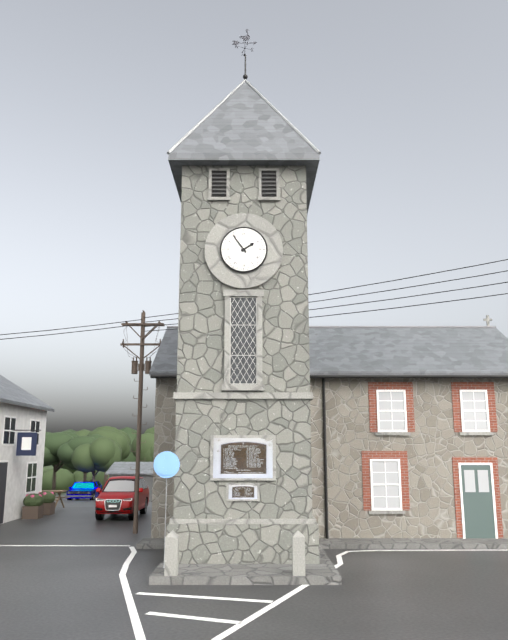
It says 1 h 54 min
